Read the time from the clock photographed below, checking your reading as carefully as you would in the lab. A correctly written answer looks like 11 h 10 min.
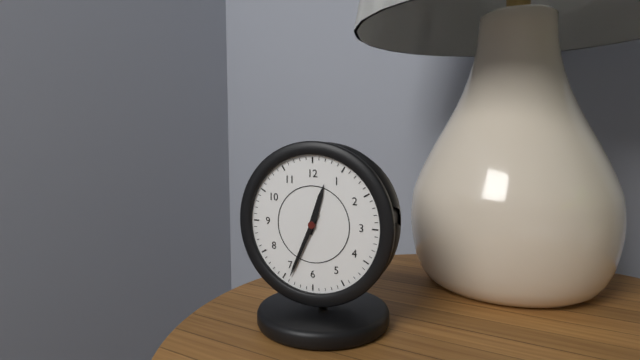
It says 12 h 34 min
